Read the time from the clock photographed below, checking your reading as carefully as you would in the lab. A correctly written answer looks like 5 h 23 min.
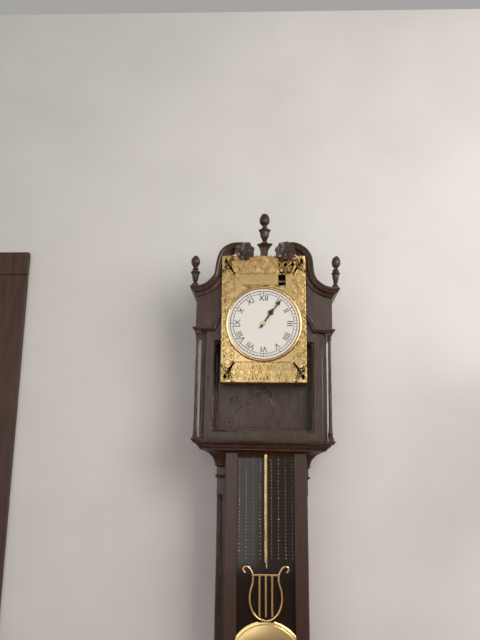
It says 1 h 06 min
